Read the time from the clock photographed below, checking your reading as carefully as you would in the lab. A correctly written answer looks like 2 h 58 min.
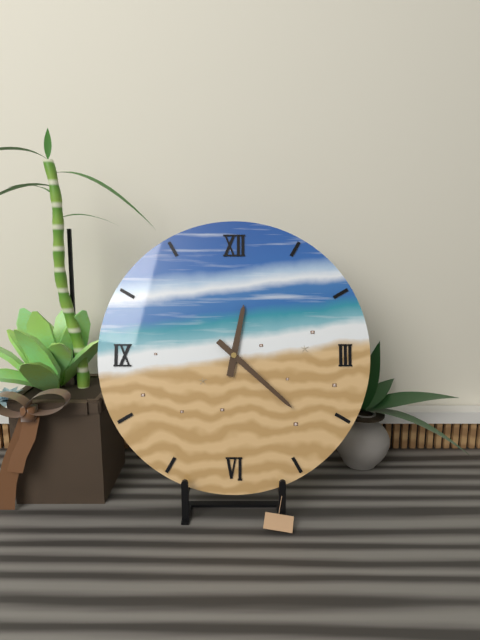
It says 12 h 22 min
